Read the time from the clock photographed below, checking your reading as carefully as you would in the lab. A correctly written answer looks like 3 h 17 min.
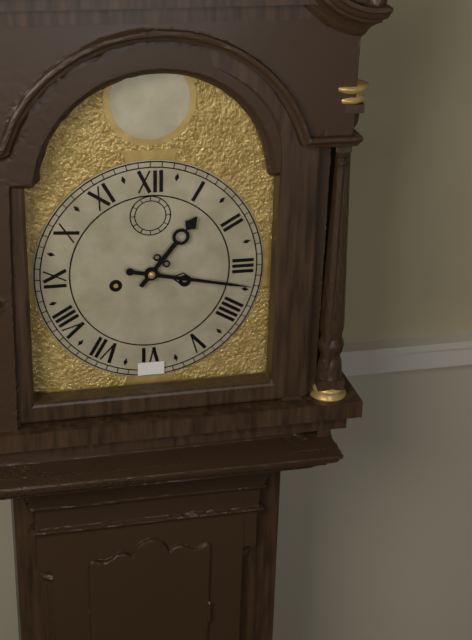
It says 1 h 17 min
